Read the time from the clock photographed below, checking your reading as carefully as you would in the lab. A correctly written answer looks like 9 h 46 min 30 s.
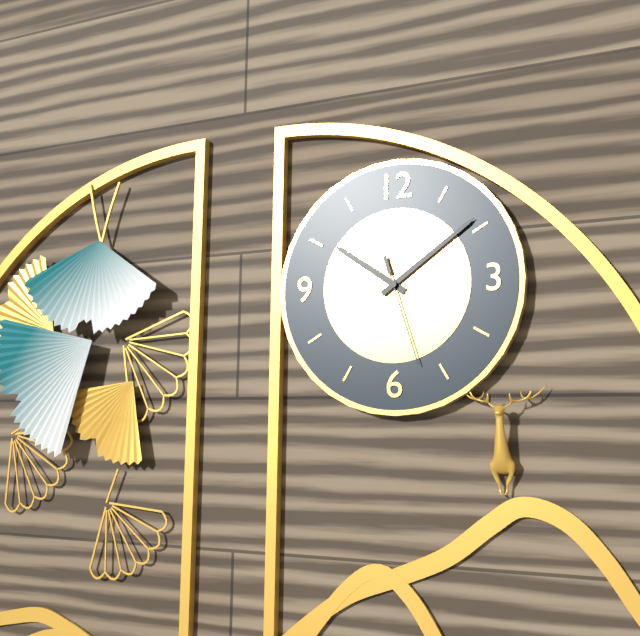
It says 10 h 09 min 27 s
